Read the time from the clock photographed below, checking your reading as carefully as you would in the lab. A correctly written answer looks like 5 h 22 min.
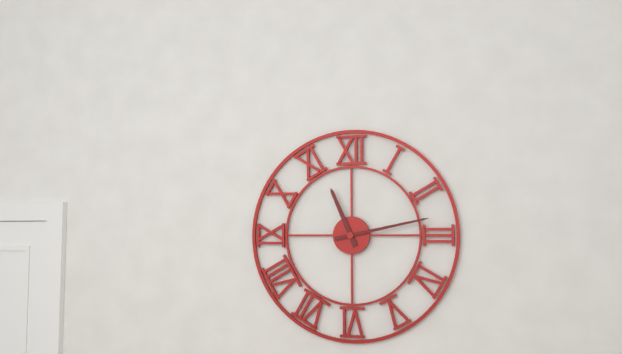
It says 11 h 13 min
